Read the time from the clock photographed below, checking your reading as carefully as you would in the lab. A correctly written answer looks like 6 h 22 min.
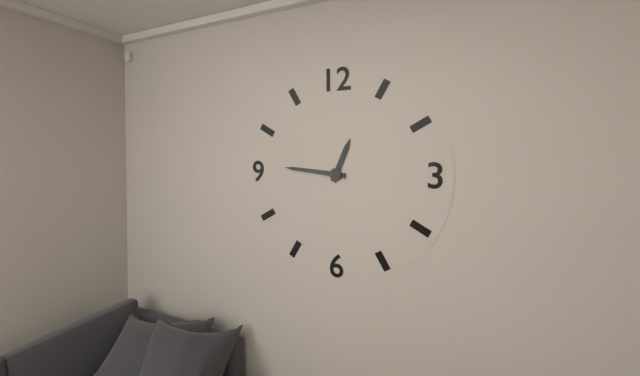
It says 12 h 46 min
